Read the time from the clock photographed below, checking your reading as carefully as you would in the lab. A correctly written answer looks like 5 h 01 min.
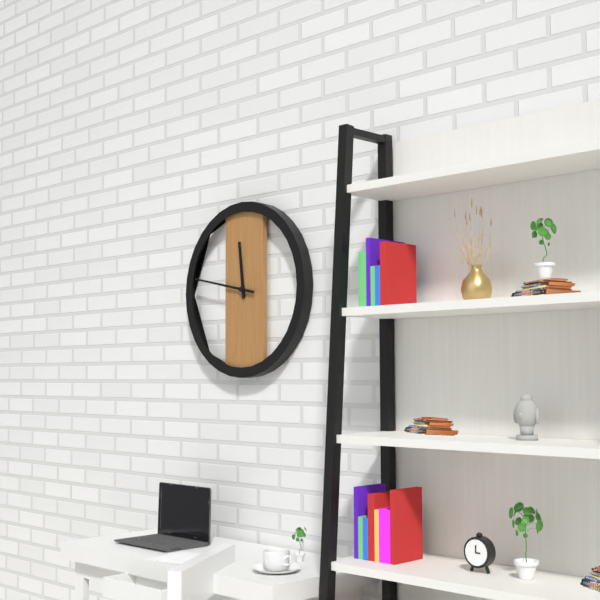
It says 11 h 47 min
